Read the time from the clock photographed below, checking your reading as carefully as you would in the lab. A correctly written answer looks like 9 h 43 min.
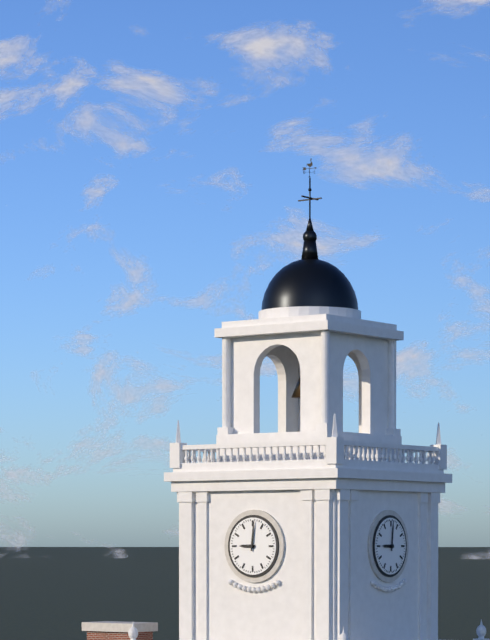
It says 9 h 01 min
